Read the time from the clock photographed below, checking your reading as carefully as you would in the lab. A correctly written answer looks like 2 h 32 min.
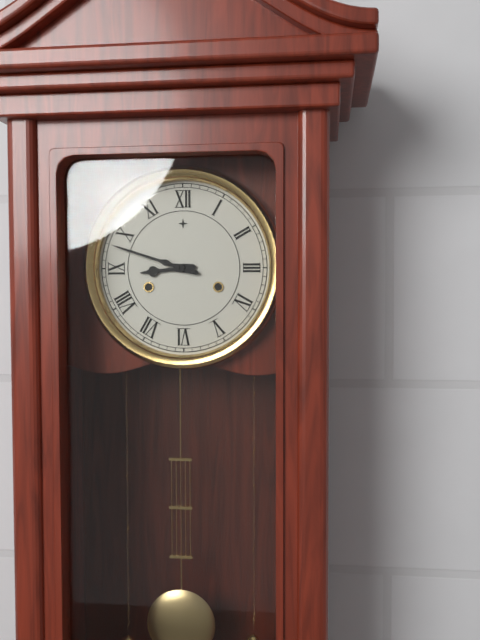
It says 8 h 48 min
